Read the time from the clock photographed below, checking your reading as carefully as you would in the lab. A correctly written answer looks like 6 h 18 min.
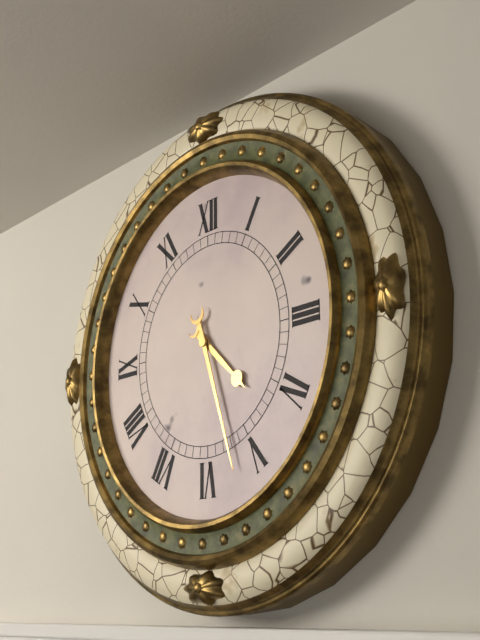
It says 4 h 27 min
